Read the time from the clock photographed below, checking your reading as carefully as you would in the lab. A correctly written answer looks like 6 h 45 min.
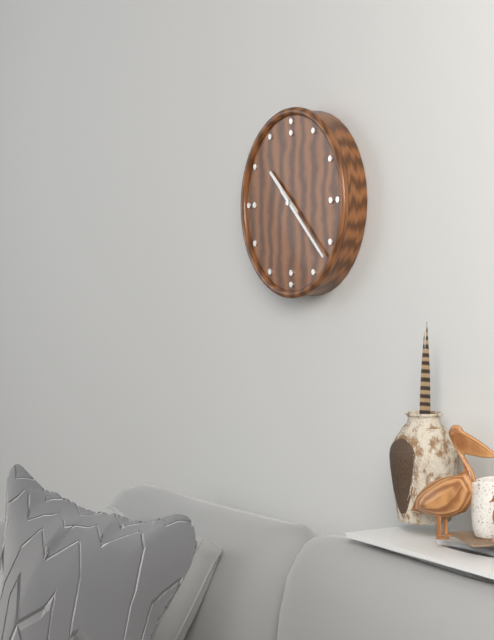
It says 10 h 22 min
